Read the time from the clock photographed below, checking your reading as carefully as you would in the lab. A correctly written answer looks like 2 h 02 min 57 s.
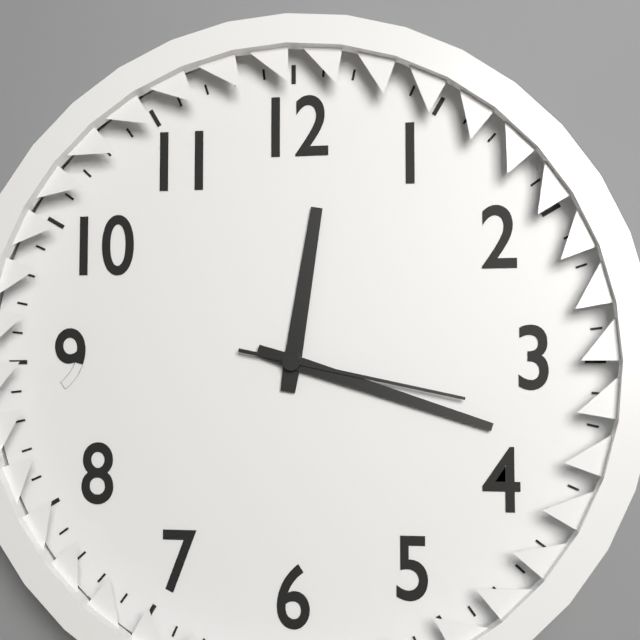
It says 12 h 18 min 17 s
